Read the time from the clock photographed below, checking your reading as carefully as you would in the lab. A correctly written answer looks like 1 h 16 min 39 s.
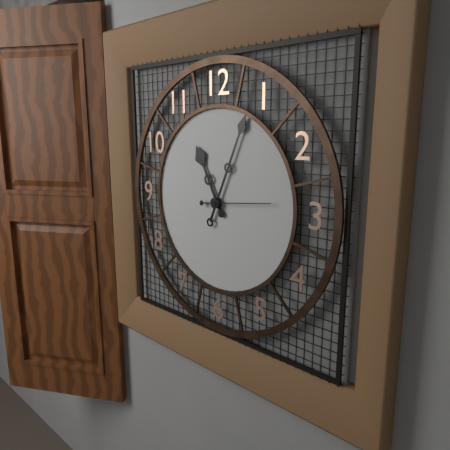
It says 11 h 04 min 14 s
